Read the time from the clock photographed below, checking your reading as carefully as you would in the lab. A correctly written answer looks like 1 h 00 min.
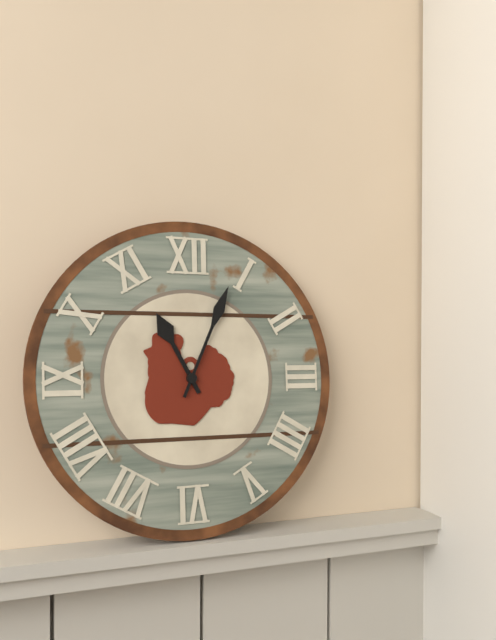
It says 11 h 04 min
